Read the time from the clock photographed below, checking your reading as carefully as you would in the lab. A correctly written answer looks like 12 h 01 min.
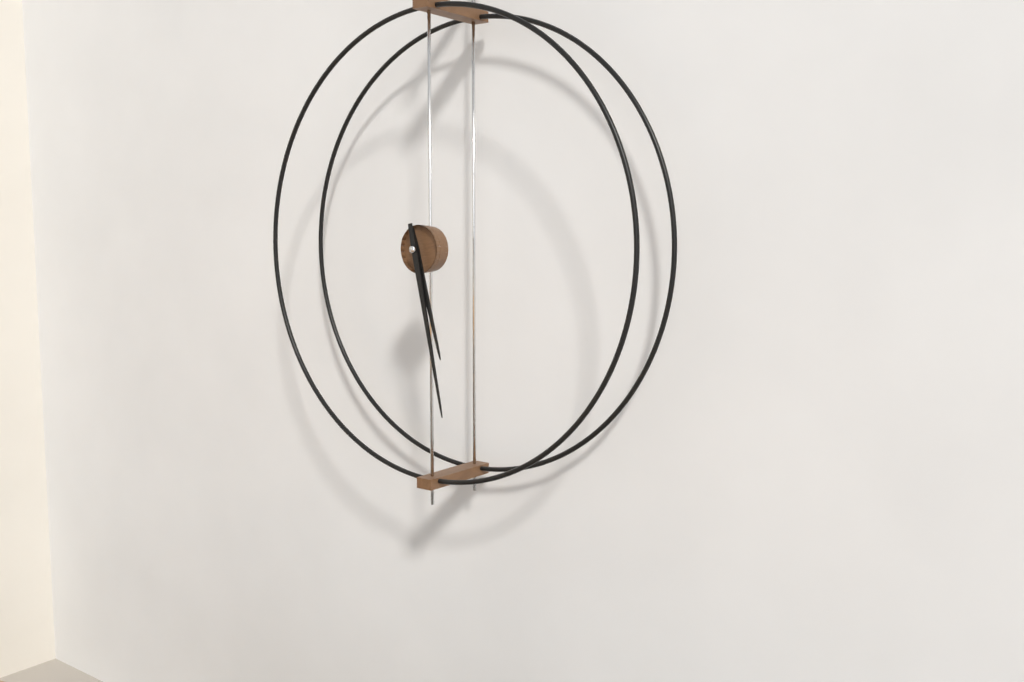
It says 5 h 28 min
